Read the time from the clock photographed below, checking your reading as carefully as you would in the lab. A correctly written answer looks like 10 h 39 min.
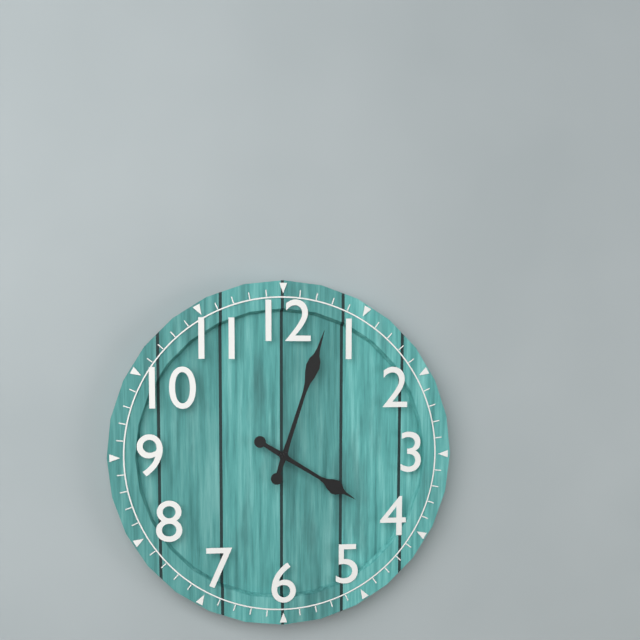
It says 4 h 03 min
